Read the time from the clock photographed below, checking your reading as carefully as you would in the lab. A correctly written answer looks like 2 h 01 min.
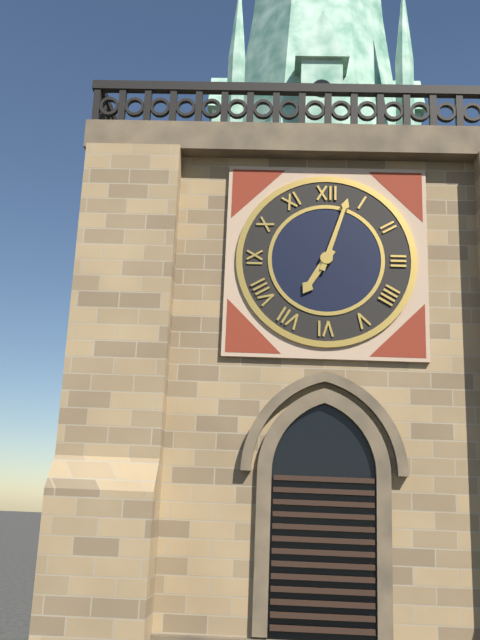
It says 7 h 03 min
